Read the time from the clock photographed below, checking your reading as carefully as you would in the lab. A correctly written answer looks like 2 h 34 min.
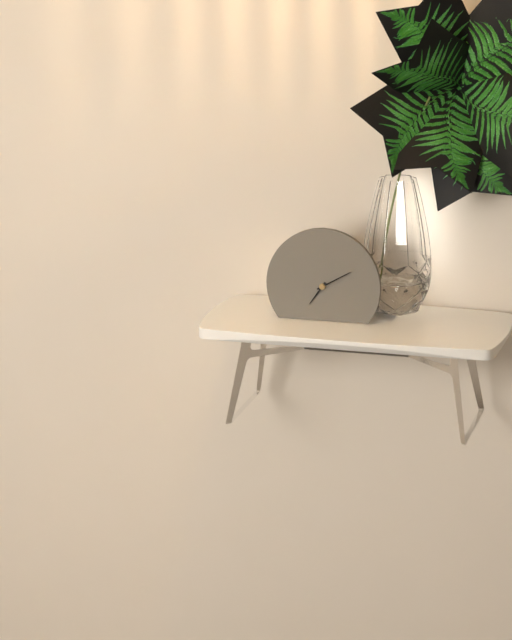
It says 7 h 10 min
